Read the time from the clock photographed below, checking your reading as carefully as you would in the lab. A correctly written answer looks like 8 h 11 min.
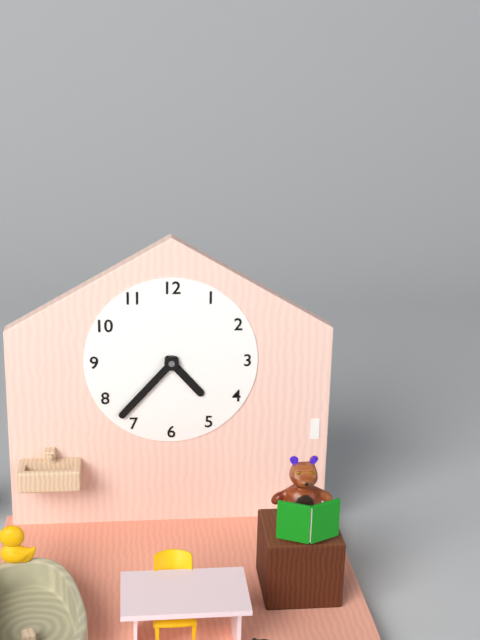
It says 4 h 37 min
